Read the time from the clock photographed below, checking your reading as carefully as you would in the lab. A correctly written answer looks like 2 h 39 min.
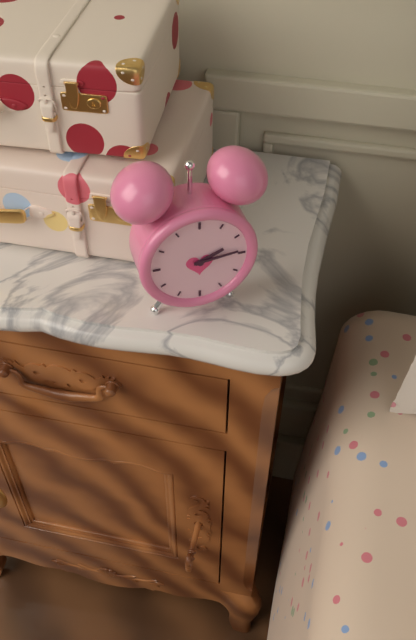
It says 2 h 14 min
